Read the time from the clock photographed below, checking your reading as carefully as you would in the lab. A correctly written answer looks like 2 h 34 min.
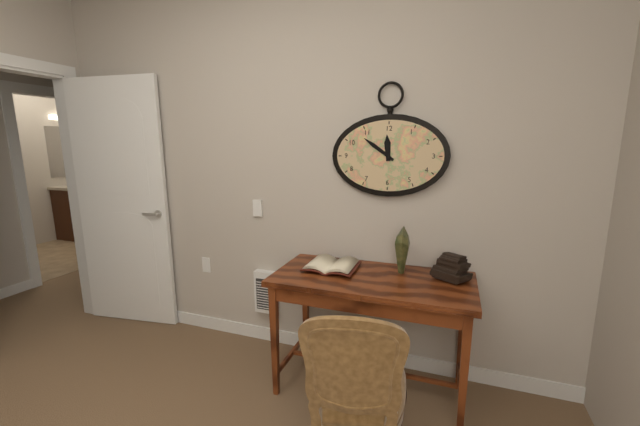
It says 11 h 51 min
